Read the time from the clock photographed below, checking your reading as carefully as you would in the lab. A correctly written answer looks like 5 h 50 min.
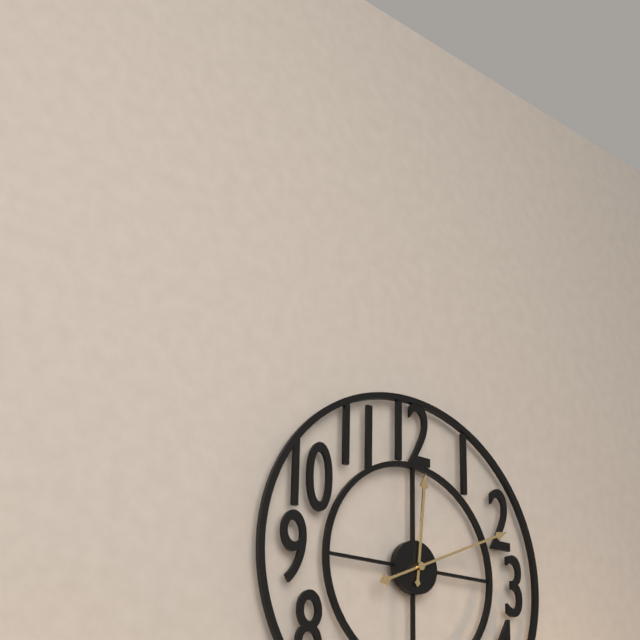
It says 12 h 11 min
